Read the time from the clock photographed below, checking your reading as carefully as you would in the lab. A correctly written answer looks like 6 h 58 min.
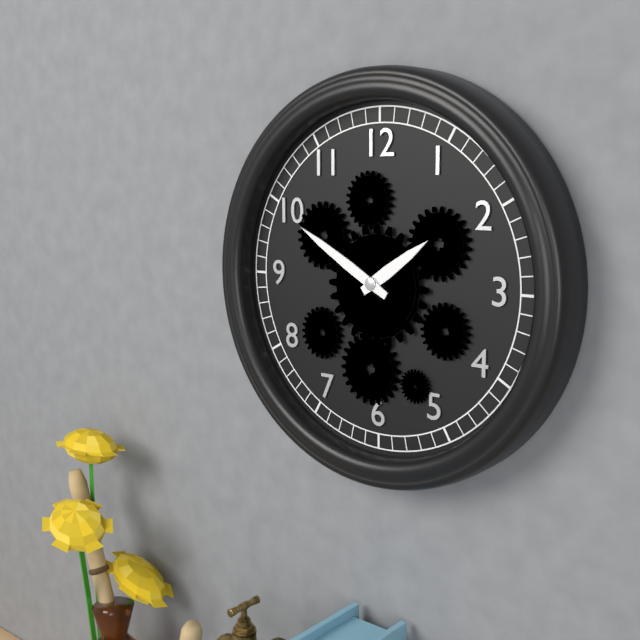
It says 1 h 50 min
